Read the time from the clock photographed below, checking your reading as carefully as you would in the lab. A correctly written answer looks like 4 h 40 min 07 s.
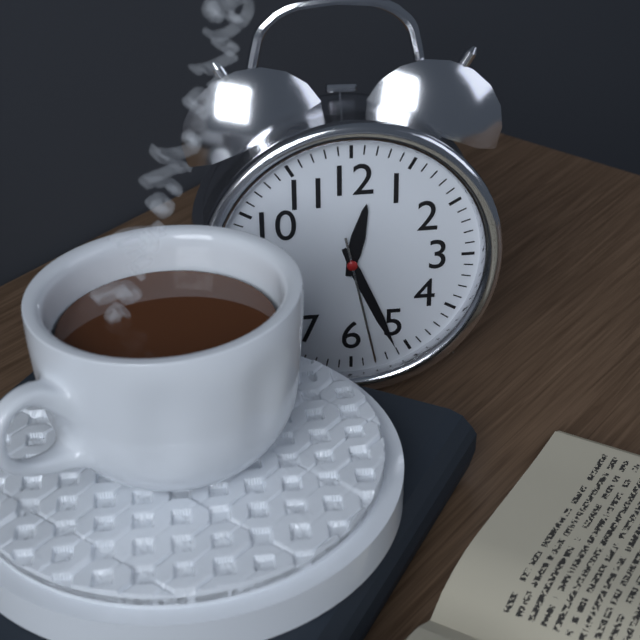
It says 12 h 26 min 28 s
